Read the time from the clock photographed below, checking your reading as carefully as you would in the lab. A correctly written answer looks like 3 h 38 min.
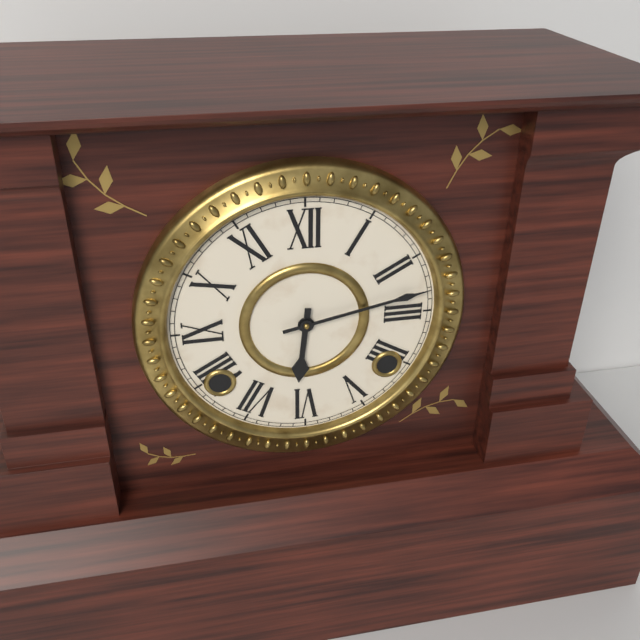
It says 6 h 13 min
